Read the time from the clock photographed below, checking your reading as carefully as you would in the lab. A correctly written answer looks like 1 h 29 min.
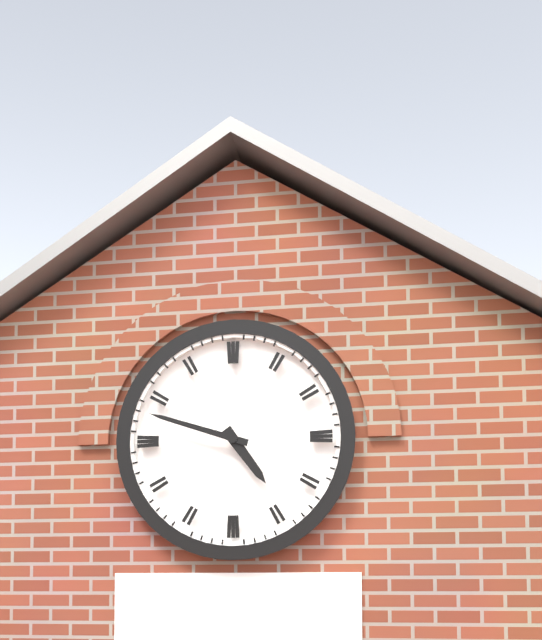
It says 4 h 48 min
